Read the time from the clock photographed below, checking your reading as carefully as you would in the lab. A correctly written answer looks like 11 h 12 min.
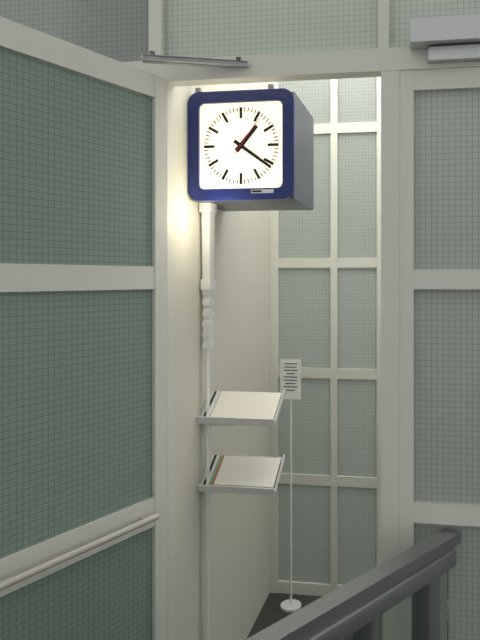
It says 1 h 21 min
